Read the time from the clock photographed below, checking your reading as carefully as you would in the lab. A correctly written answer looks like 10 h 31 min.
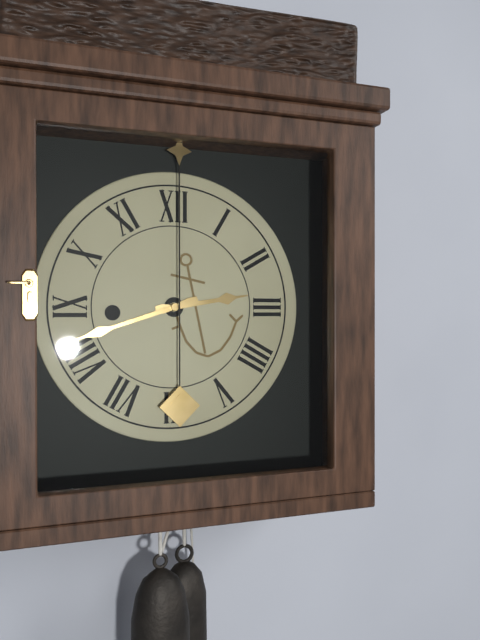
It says 2 h 42 min
